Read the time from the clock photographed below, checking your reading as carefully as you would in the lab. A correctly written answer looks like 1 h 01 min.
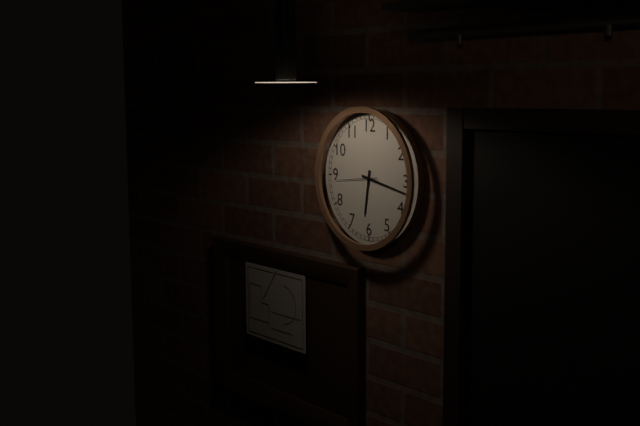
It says 6 h 17 min
